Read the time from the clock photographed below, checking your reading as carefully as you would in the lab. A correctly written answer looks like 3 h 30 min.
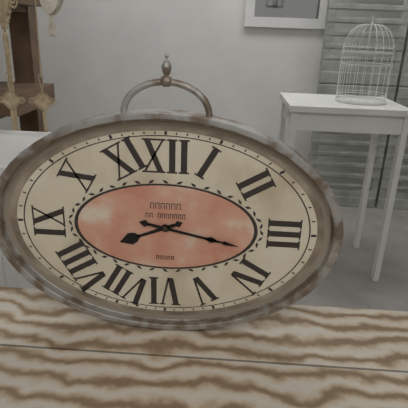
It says 8 h 17 min
